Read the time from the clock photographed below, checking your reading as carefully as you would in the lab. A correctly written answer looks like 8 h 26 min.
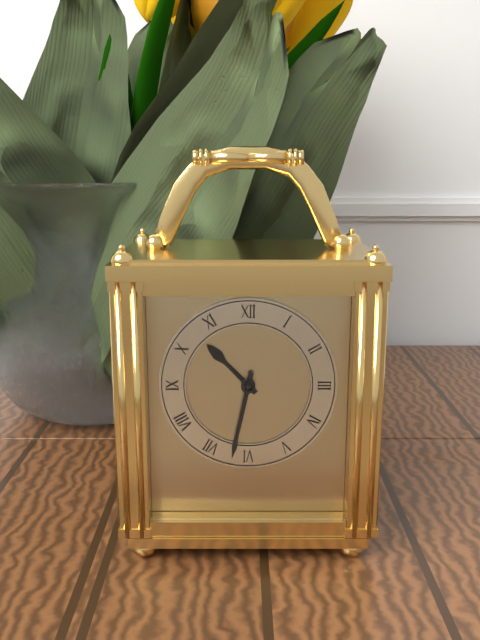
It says 10 h 32 min
